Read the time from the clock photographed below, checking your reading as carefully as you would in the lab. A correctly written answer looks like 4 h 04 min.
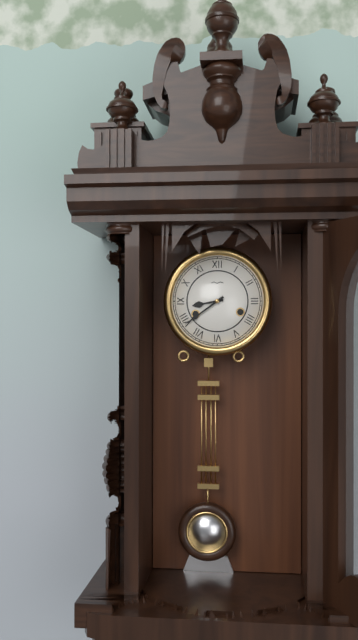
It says 8 h 39 min
